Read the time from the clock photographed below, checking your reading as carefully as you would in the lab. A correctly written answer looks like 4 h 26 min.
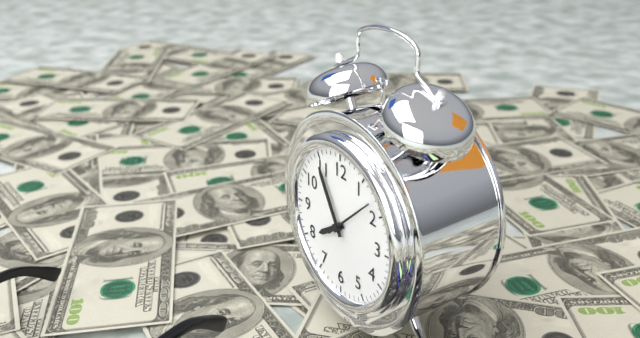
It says 7 h 55 min
